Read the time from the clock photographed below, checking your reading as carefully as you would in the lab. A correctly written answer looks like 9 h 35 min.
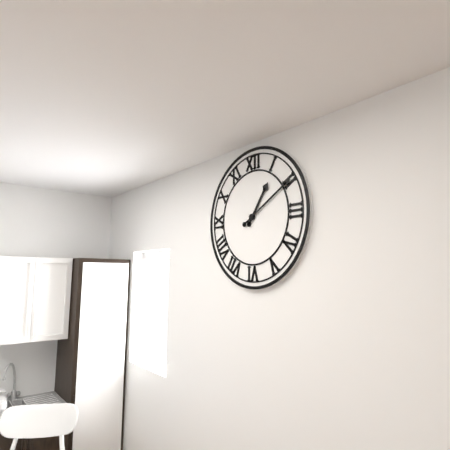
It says 1 h 10 min
